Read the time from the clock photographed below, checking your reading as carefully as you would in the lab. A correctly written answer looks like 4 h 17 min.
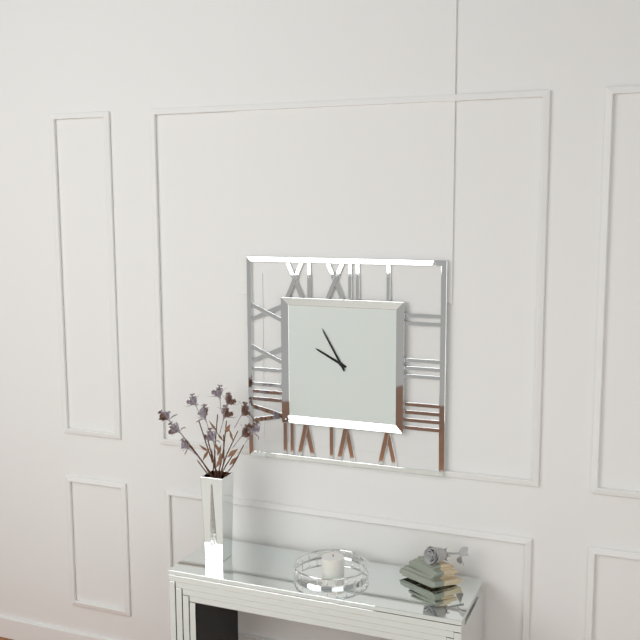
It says 9 h 55 min
